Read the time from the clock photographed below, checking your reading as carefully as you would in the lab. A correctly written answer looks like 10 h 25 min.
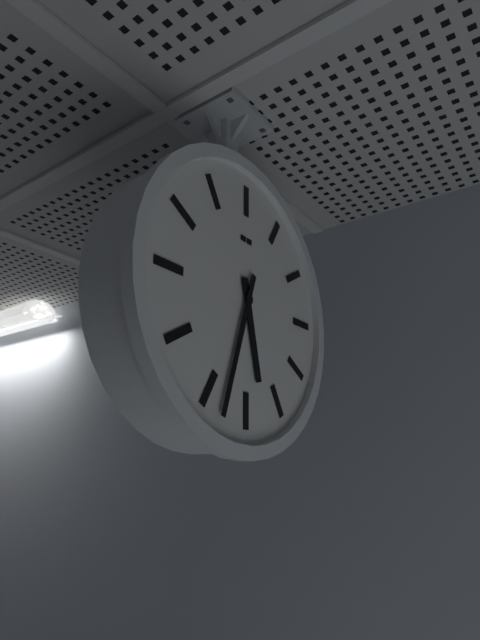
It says 5 h 33 min
